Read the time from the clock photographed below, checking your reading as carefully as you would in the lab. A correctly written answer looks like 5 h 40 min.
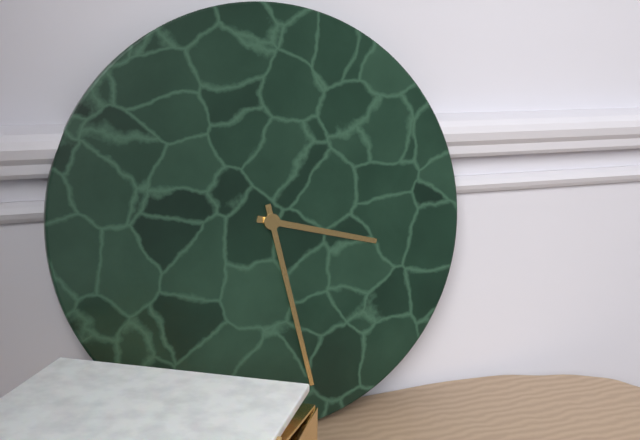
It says 3 h 28 min
